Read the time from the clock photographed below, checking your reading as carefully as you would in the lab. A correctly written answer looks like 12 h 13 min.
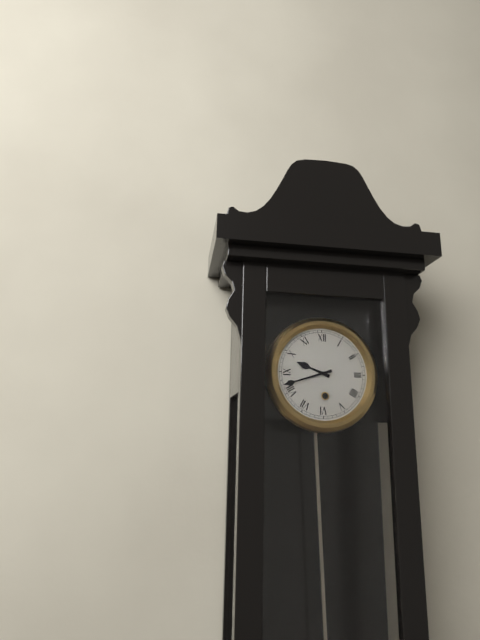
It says 9 h 42 min
